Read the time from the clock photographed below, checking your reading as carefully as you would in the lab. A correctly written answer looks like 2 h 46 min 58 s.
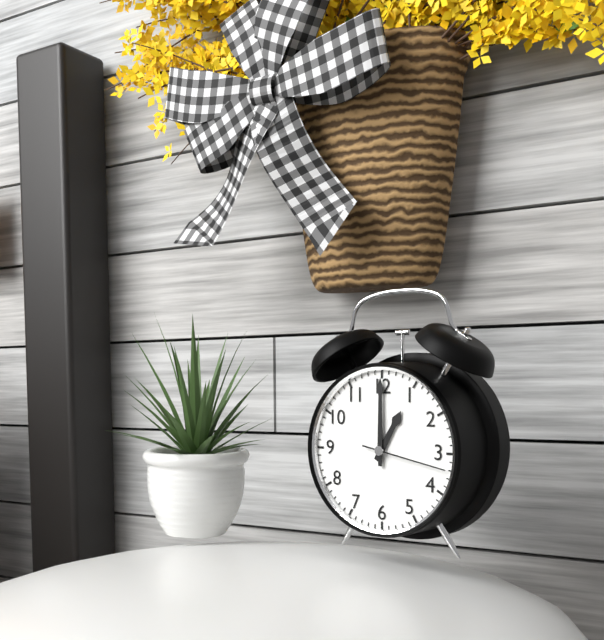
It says 1 h 00 min 17 s
